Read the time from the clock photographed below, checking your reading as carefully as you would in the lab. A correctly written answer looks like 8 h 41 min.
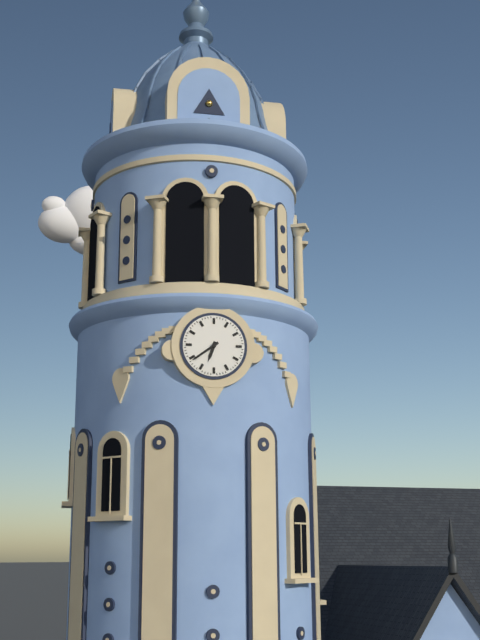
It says 6 h 39 min
